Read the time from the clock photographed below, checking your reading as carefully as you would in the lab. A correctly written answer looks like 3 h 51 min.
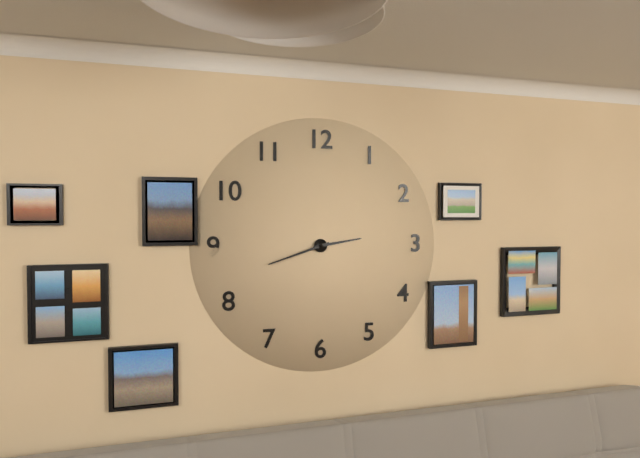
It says 2 h 42 min
